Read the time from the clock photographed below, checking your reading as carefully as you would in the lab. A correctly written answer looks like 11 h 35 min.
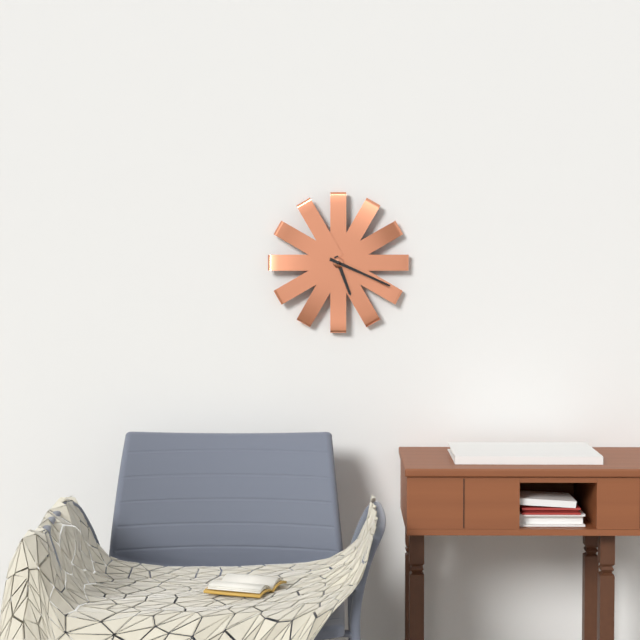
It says 5 h 19 min
